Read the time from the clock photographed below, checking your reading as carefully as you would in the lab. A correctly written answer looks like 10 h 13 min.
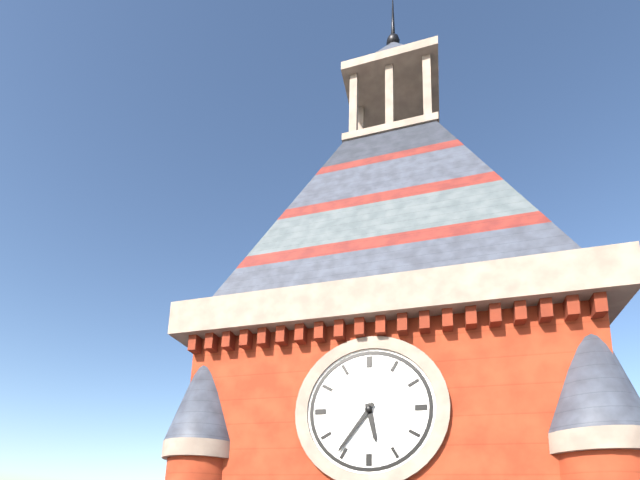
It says 5 h 36 min
